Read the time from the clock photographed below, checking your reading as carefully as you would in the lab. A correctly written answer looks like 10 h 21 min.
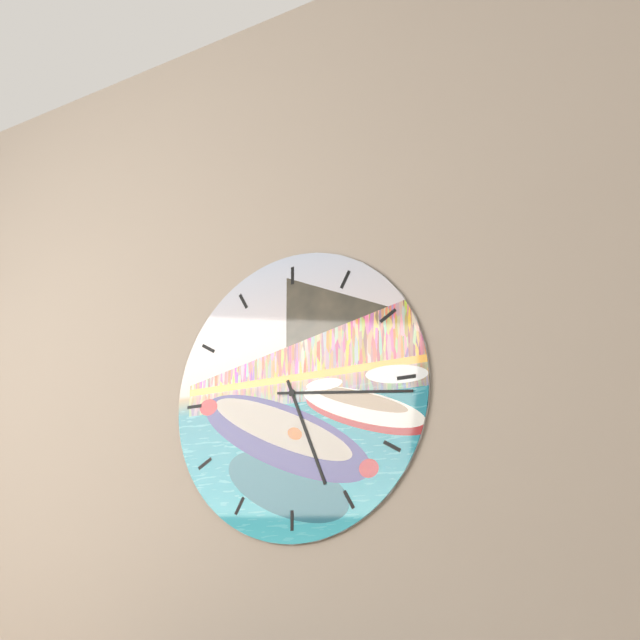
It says 5 h 16 min
